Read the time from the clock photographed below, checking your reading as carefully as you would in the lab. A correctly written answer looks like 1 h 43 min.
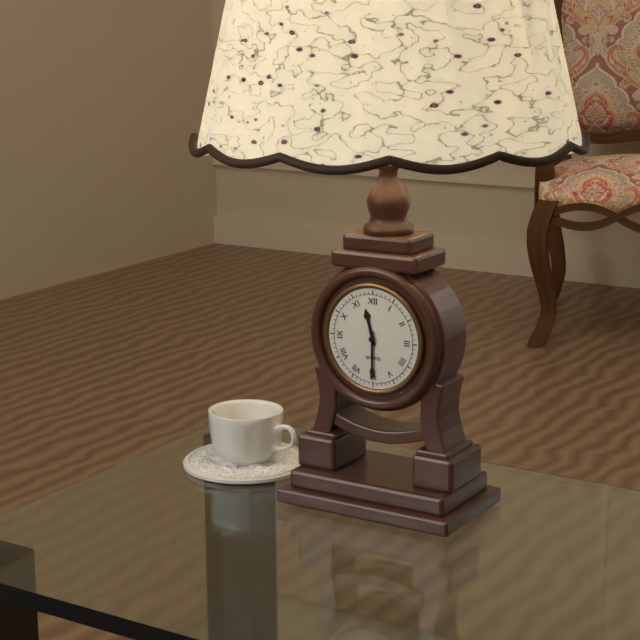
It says 11 h 30 min
